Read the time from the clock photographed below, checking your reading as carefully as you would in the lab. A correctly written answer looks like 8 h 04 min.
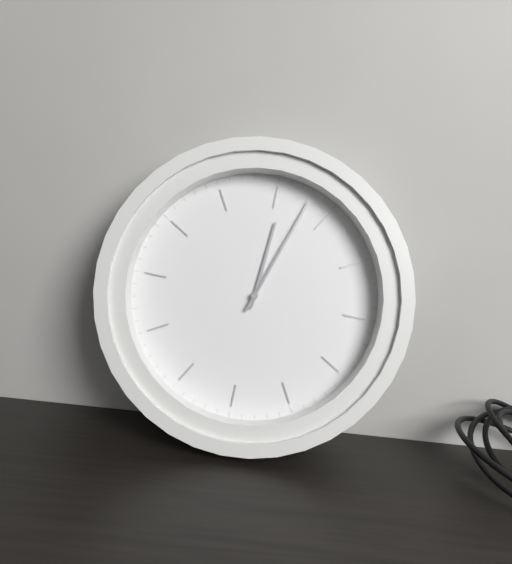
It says 1 h 08 min
